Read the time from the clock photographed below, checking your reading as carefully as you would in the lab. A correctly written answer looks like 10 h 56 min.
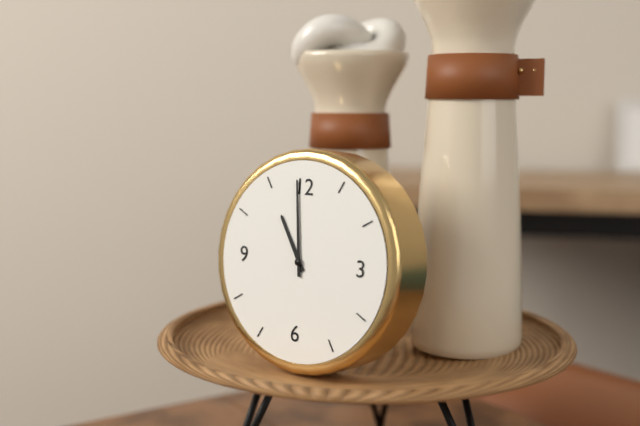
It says 10 h 59 min
